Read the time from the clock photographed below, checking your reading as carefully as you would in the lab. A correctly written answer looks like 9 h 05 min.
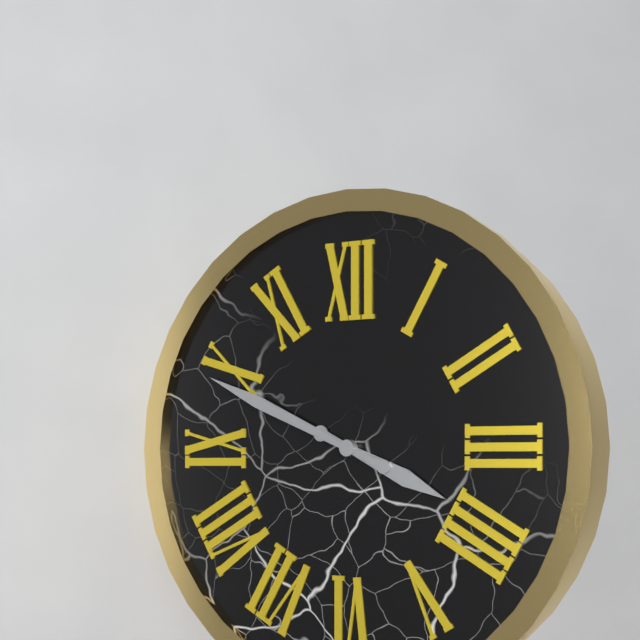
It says 3 h 49 min
